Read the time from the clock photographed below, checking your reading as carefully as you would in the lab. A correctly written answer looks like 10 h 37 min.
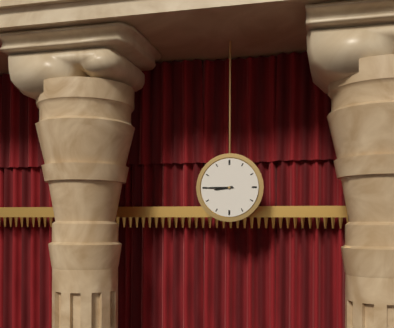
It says 8 h 45 min
